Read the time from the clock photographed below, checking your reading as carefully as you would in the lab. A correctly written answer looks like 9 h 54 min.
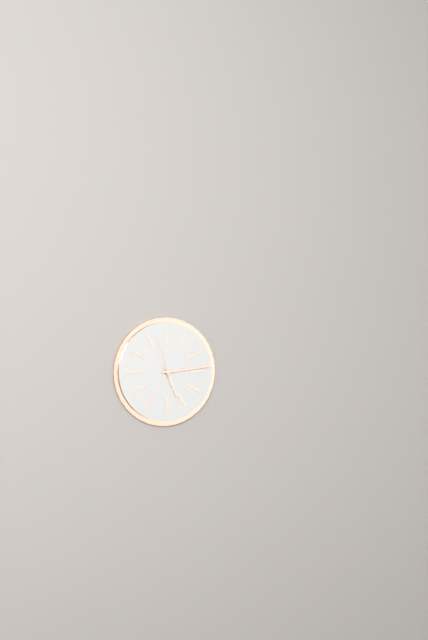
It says 5 h 14 min
